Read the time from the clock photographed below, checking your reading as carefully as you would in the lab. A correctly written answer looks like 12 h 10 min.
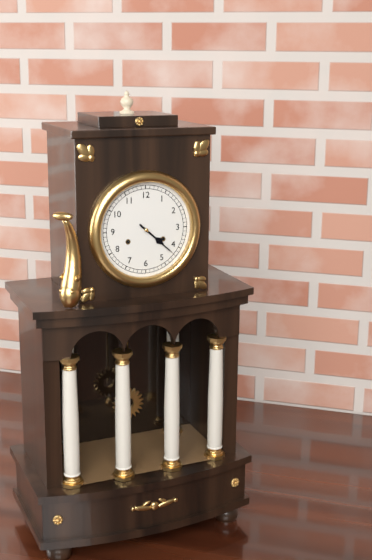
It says 4 h 22 min
